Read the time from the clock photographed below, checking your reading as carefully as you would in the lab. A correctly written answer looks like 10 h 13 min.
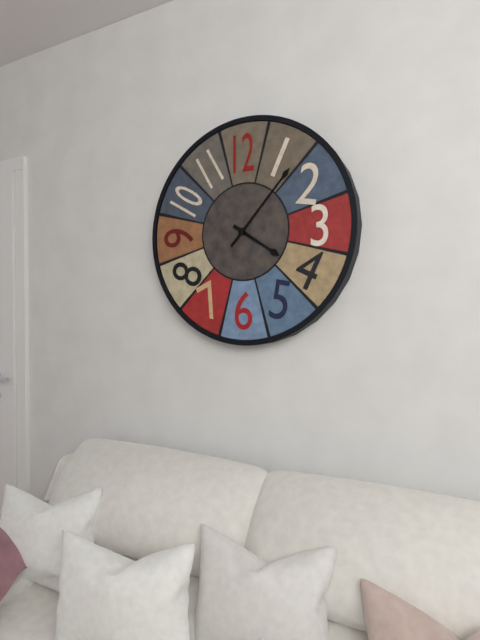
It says 4 h 07 min
